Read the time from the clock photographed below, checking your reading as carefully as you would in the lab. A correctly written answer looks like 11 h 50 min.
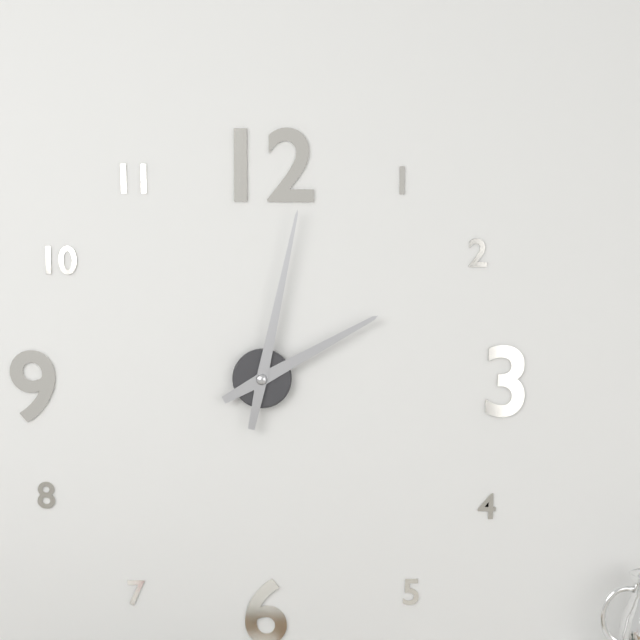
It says 2 h 02 min
